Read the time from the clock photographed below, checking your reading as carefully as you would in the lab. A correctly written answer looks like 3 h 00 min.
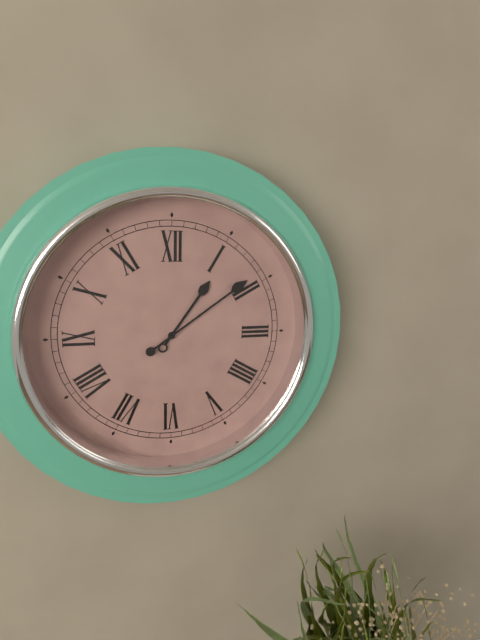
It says 1 h 09 min
